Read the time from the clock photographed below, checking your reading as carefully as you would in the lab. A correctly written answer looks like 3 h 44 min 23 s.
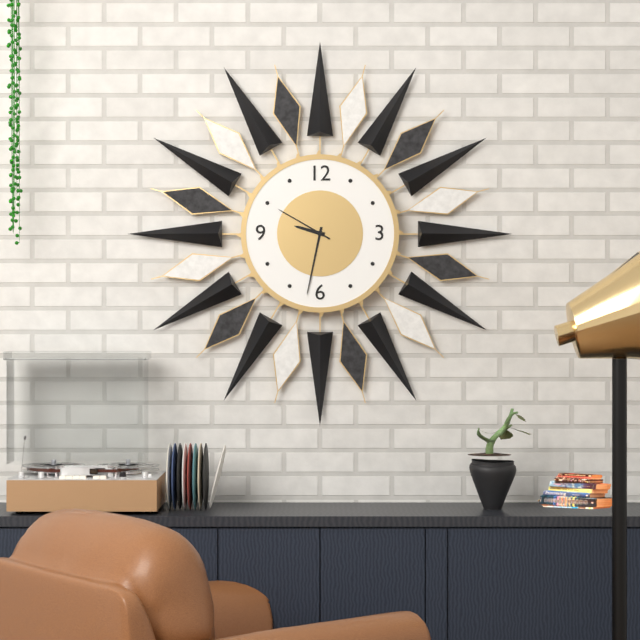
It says 9 h 32 min 50 s
